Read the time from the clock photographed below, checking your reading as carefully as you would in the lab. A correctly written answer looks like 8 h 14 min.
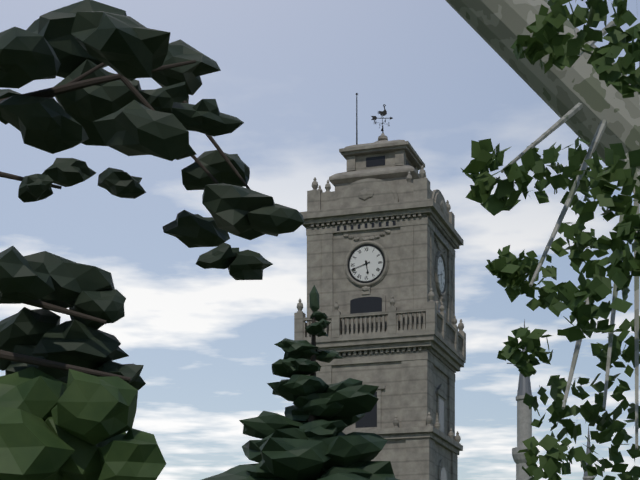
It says 5 h 42 min
